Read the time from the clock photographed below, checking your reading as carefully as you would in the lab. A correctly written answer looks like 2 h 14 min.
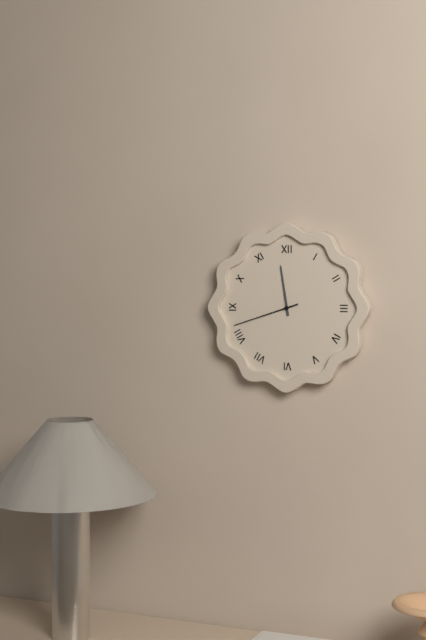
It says 11 h 42 min
